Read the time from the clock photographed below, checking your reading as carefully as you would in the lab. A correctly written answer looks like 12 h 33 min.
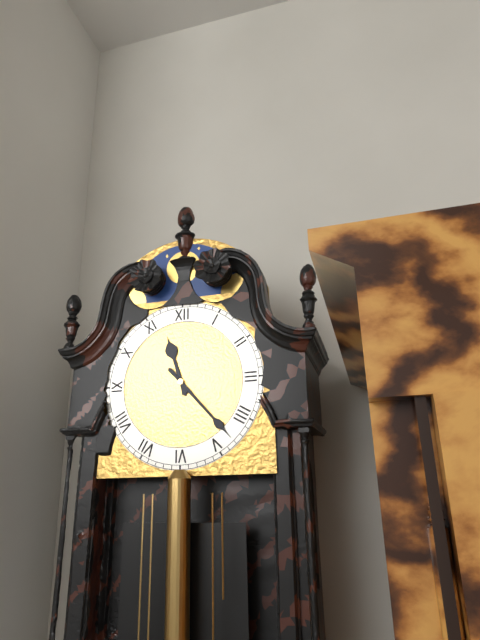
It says 11 h 23 min
